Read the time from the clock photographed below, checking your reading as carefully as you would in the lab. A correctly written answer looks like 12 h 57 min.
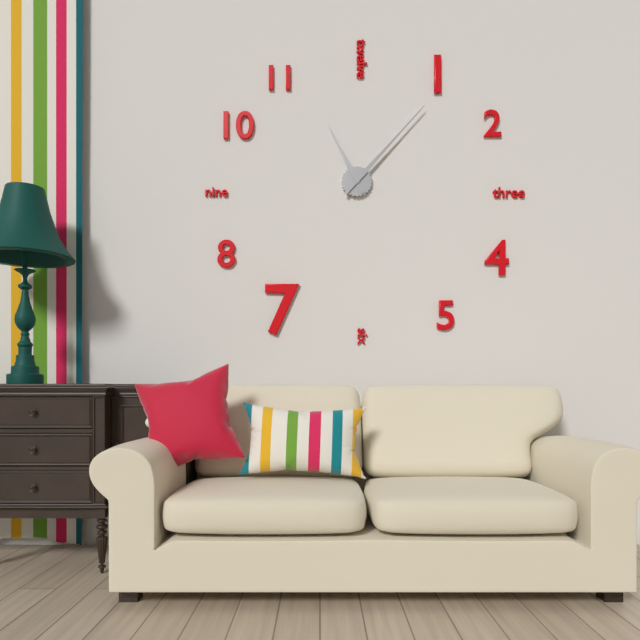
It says 11 h 07 min
